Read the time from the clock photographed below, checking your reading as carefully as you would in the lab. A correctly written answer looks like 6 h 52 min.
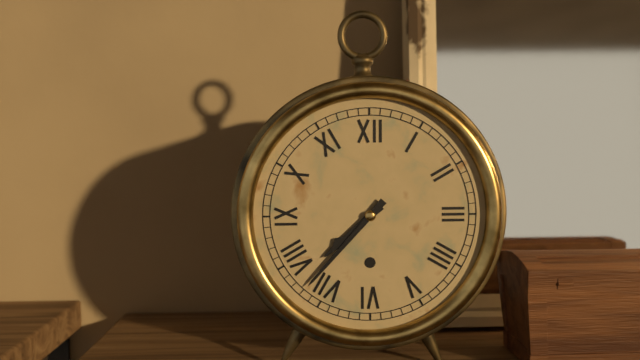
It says 7 h 37 min
